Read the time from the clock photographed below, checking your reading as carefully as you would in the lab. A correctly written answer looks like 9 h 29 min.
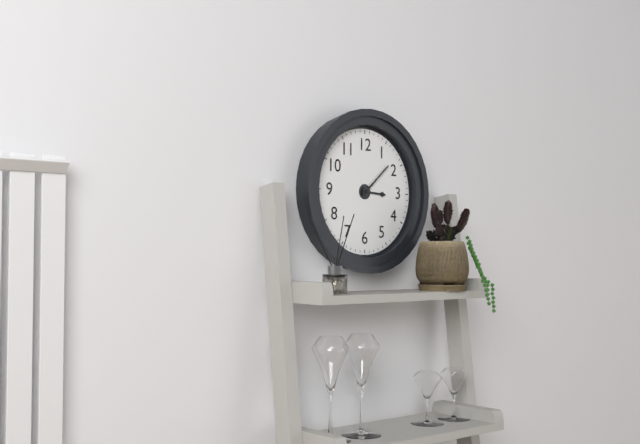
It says 3 h 08 min
